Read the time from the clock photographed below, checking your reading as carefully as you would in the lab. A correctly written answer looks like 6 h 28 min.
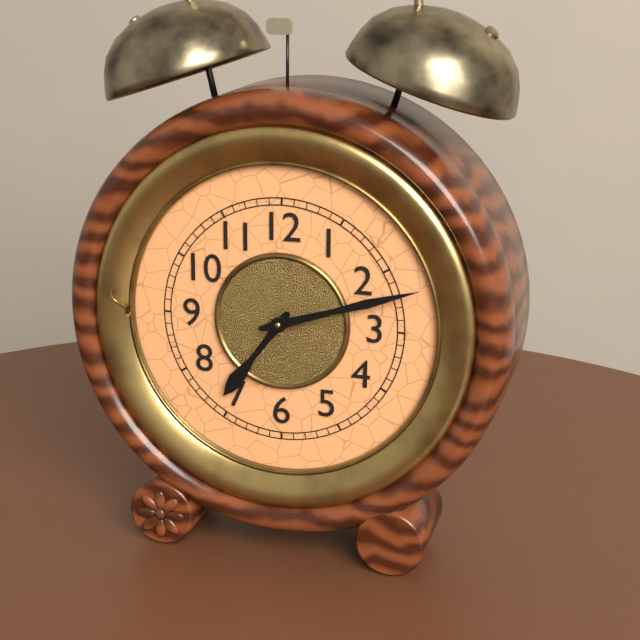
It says 7 h 12 min
